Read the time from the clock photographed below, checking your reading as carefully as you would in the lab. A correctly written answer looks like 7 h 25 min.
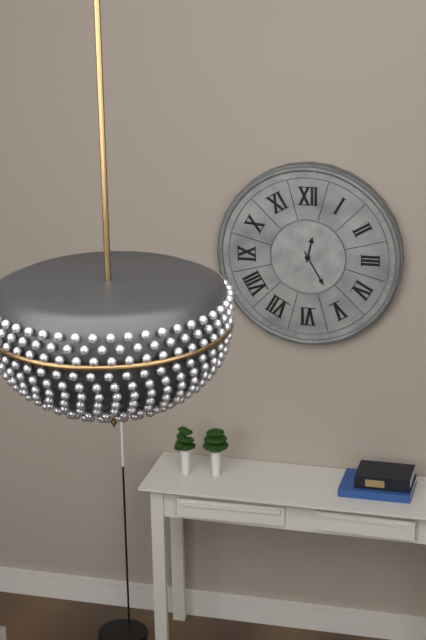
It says 12 h 25 min
